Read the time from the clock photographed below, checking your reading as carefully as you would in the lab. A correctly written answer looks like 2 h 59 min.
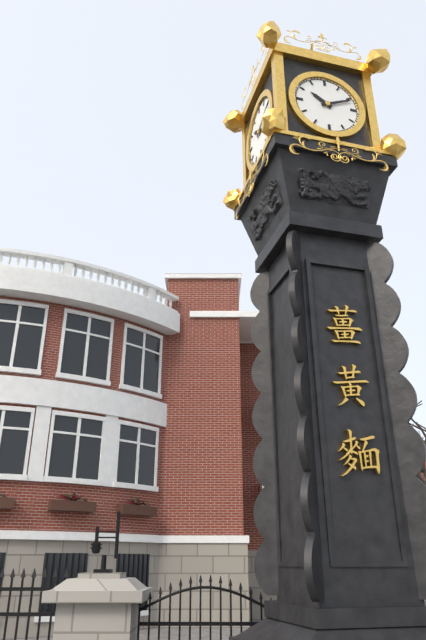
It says 10 h 11 min
